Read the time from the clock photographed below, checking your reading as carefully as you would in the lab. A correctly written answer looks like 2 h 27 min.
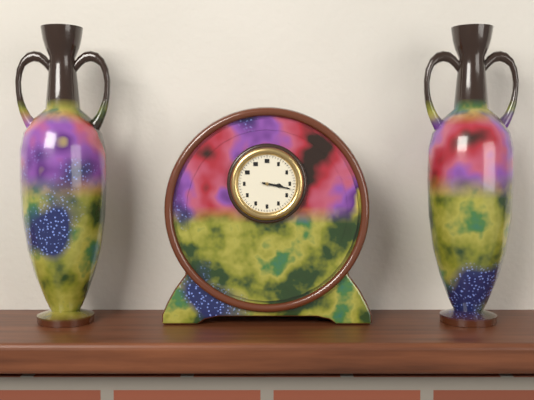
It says 3 h 17 min
